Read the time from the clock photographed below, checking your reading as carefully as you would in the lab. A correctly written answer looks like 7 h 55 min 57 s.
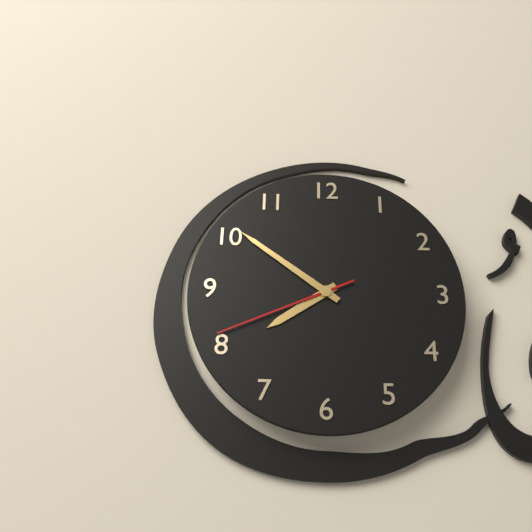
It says 7 h 51 min 41 s
